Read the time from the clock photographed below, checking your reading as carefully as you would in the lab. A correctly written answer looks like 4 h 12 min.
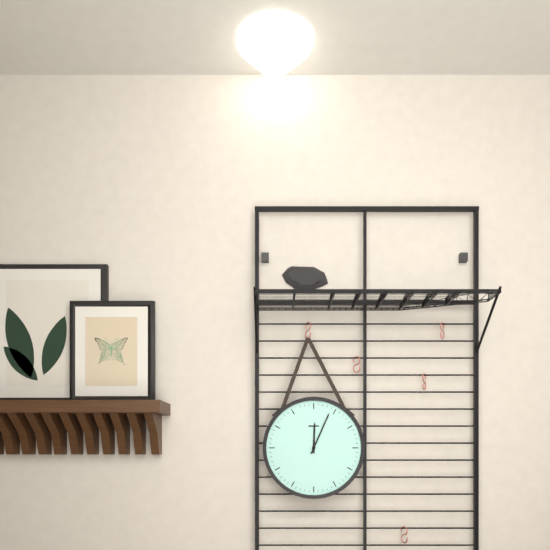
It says 12 h 04 min
